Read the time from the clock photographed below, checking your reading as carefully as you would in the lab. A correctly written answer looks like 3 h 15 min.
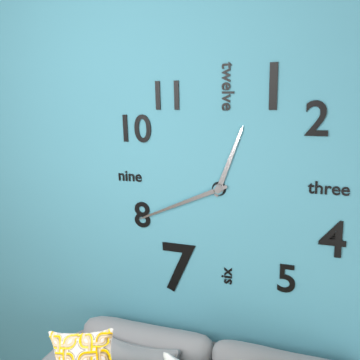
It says 12 h 41 min
